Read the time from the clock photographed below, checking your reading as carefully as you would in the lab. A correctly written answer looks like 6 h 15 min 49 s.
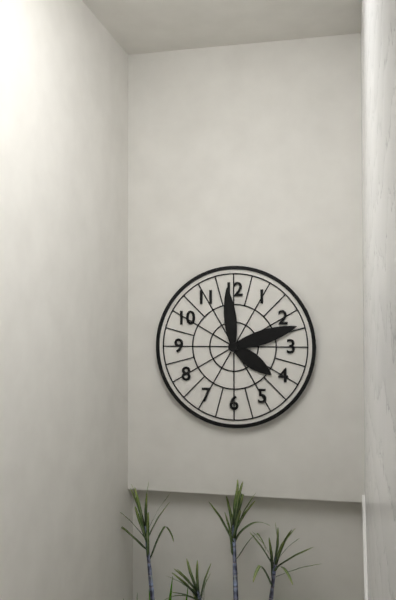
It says 4 h 12 min 59 s
